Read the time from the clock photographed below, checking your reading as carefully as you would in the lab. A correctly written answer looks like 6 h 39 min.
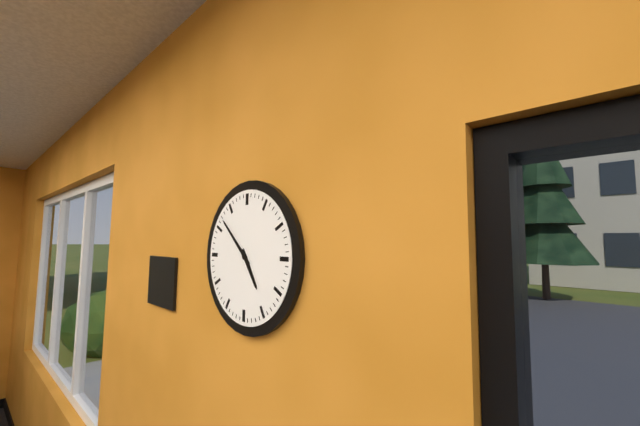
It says 4 h 52 min
